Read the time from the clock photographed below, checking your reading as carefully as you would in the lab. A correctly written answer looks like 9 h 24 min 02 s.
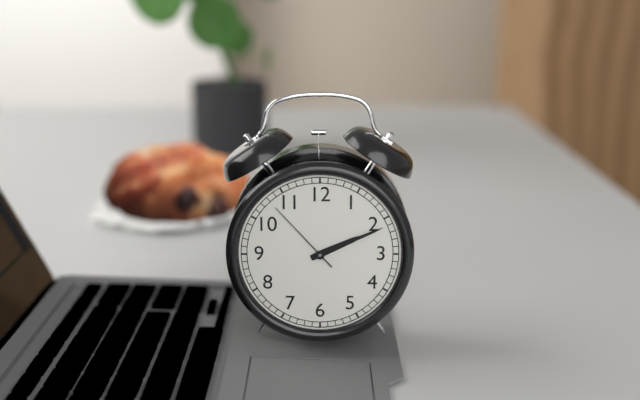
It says 2 h 11 min 53 s
